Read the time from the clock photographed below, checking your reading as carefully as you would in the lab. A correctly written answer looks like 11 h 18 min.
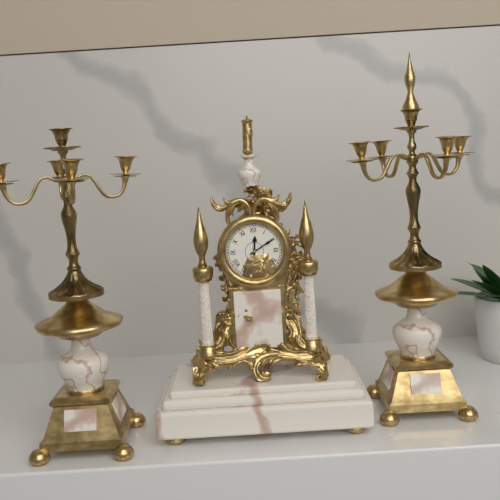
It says 12 h 10 min
